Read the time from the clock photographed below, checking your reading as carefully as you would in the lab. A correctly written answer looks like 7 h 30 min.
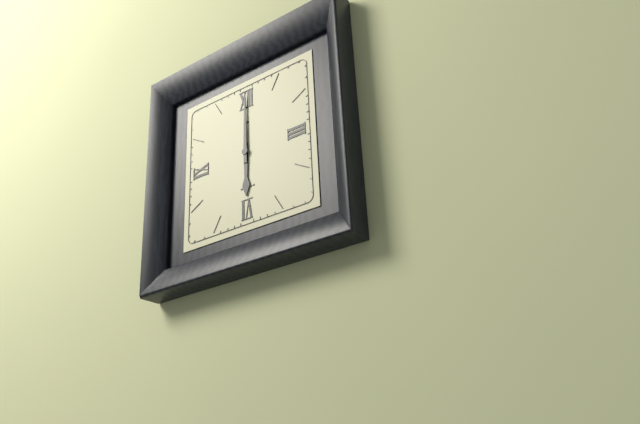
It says 6 h 00 min
